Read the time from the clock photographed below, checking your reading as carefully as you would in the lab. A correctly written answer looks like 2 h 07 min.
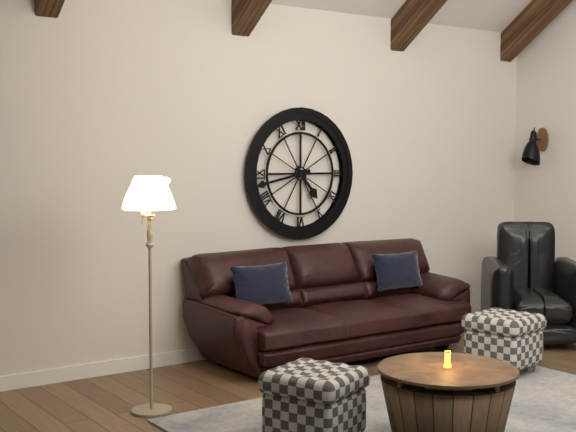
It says 4 h 43 min
